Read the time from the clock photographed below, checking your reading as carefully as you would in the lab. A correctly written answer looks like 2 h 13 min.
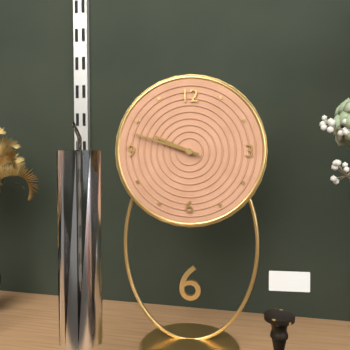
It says 9 h 48 min
